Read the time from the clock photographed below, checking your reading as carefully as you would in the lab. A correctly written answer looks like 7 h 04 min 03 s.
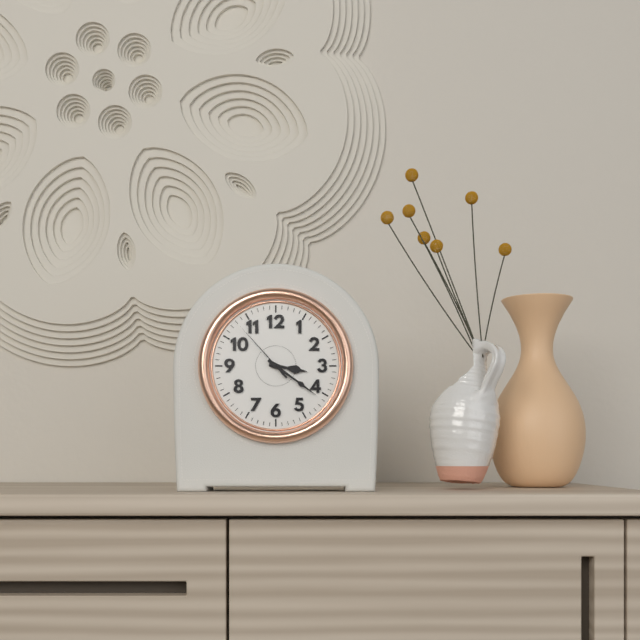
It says 3 h 21 min 53 s
